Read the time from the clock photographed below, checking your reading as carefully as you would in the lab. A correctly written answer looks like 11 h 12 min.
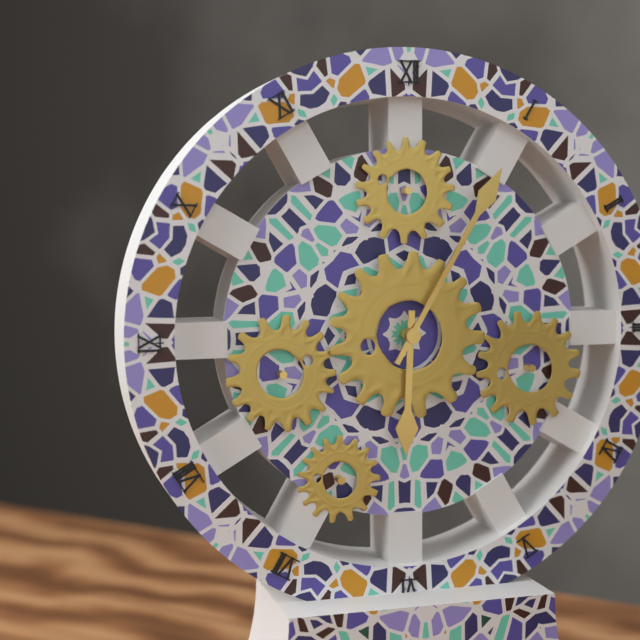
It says 6 h 05 min
